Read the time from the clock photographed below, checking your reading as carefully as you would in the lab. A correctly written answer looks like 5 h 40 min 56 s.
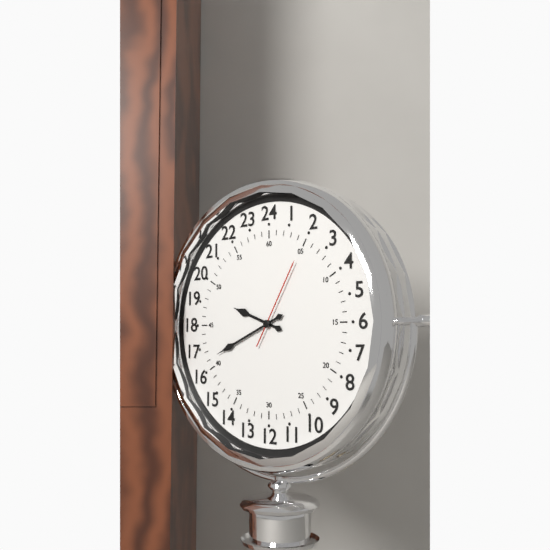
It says 9 h 41 min 05 s
